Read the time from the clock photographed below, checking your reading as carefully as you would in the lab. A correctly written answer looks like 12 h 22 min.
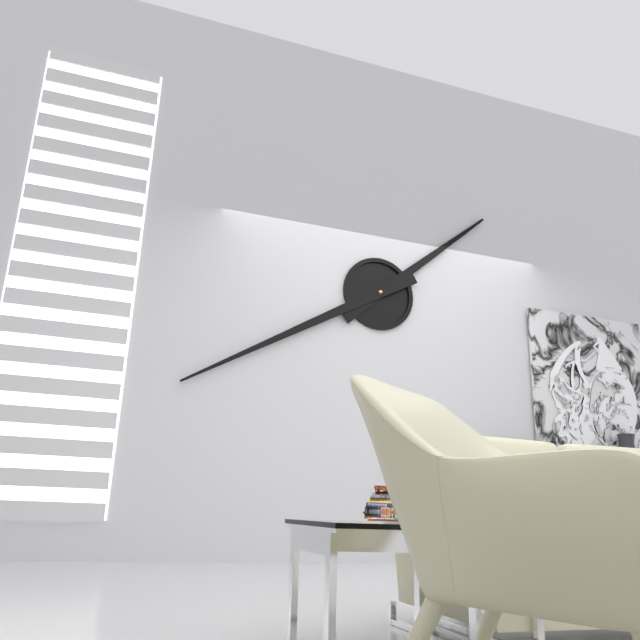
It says 1 h 40 min
